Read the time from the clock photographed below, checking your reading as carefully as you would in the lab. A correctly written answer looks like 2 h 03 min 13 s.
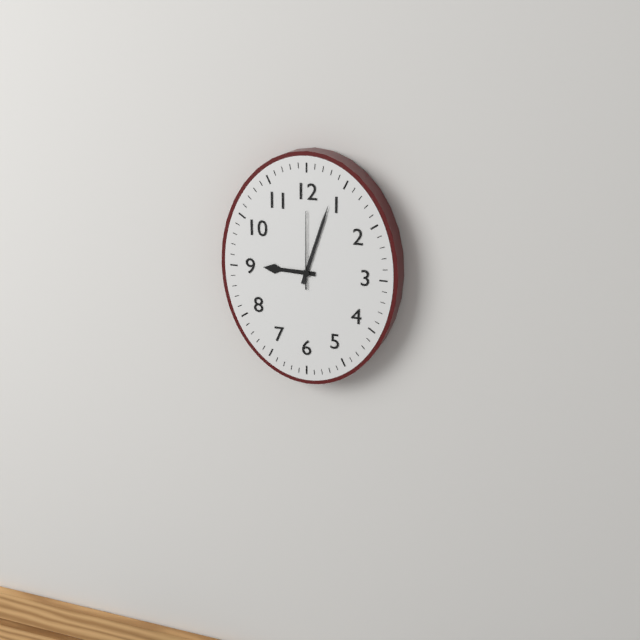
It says 9 h 03 min 00 s
